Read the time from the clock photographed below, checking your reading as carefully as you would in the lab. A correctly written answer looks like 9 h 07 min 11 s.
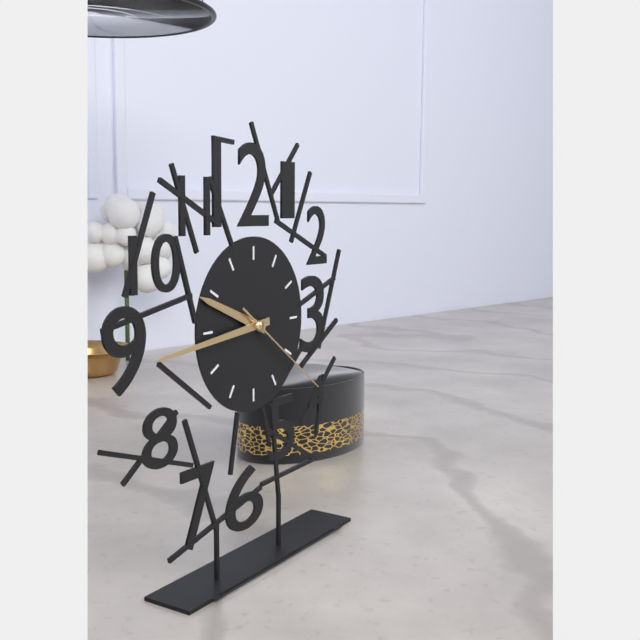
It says 9 h 44 min 21 s
